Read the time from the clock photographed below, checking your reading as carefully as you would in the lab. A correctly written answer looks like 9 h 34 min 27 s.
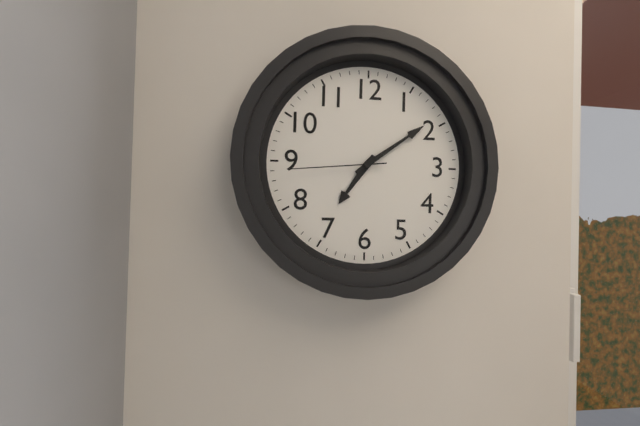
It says 7 h 09 min 44 s
